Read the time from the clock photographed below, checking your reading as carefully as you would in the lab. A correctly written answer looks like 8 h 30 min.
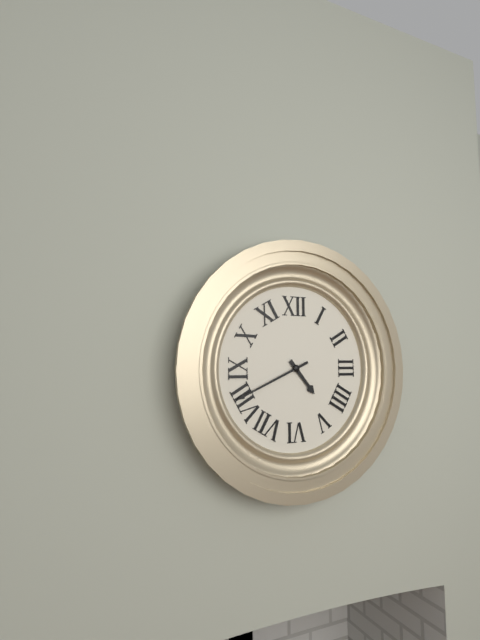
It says 4 h 41 min
